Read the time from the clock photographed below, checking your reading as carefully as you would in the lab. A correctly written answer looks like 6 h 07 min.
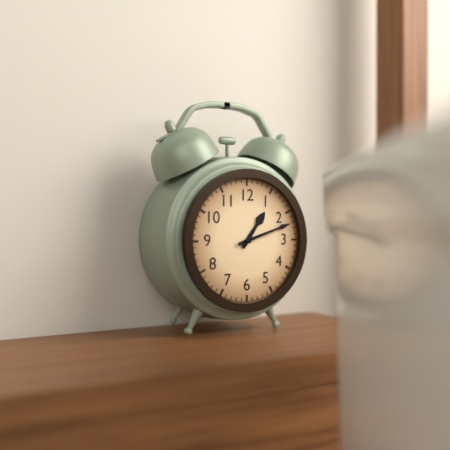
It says 1 h 12 min
